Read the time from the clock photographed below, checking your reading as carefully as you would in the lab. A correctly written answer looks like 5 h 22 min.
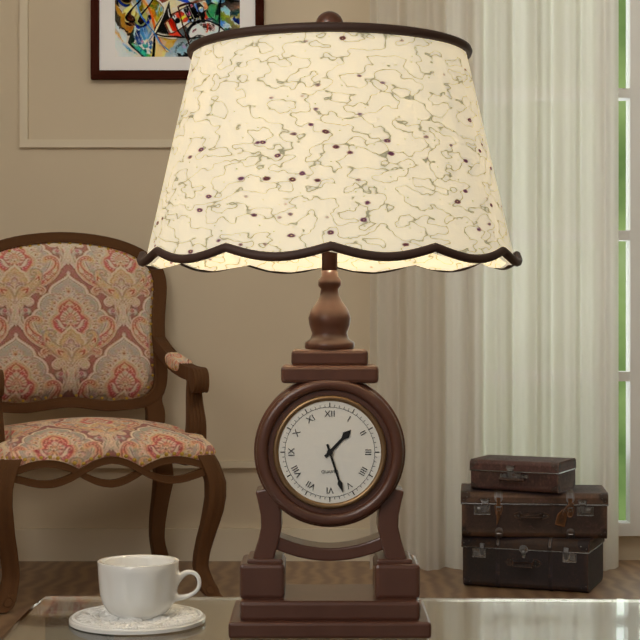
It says 1 h 27 min
